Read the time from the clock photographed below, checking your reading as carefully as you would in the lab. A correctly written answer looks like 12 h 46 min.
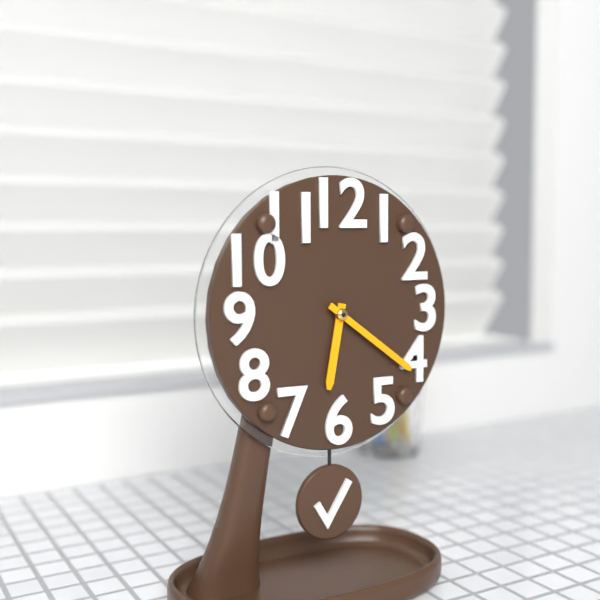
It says 6 h 21 min
